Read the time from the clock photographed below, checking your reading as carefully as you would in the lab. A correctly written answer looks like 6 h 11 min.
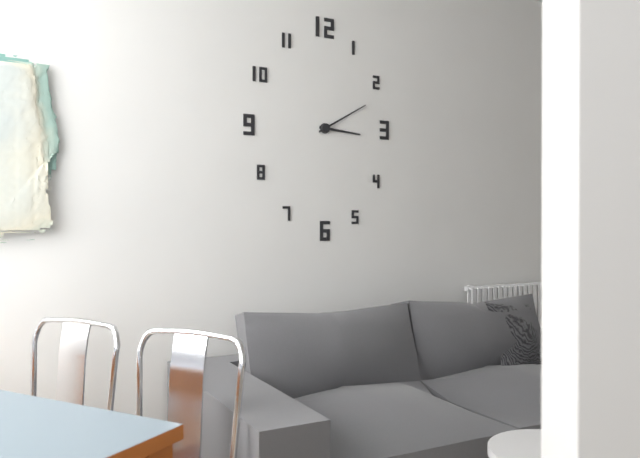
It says 3 h 10 min
